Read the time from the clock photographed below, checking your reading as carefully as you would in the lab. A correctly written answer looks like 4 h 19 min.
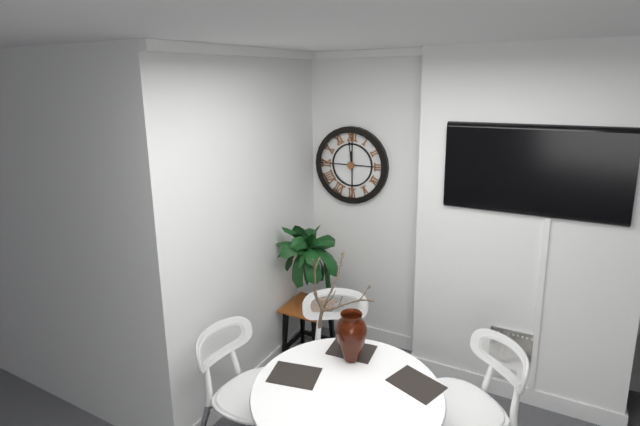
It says 11 h 59 min
